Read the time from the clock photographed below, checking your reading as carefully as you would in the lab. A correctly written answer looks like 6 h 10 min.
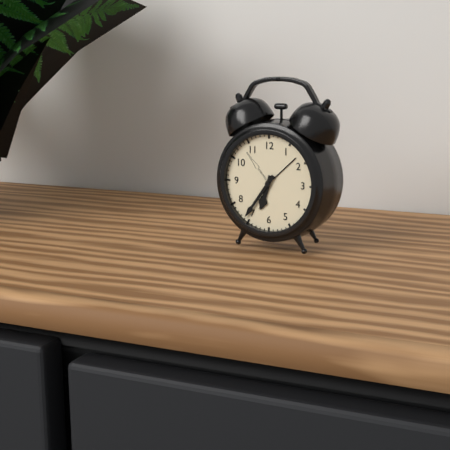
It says 6 h 36 min
